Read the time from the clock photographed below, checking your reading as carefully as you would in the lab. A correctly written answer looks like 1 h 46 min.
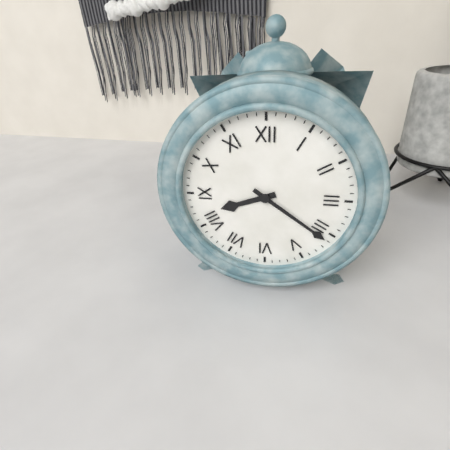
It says 8 h 21 min
